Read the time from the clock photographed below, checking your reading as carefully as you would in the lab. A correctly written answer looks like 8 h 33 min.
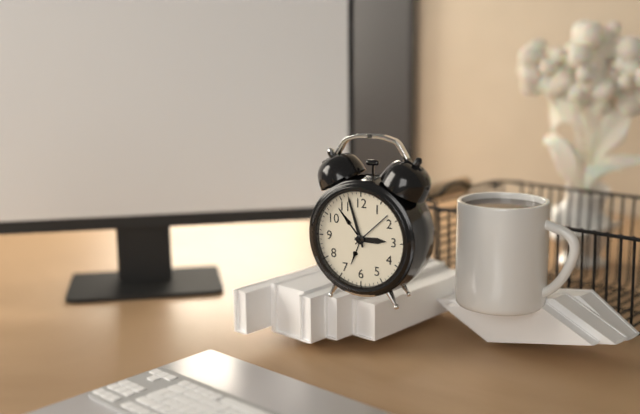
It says 2 h 57 min
